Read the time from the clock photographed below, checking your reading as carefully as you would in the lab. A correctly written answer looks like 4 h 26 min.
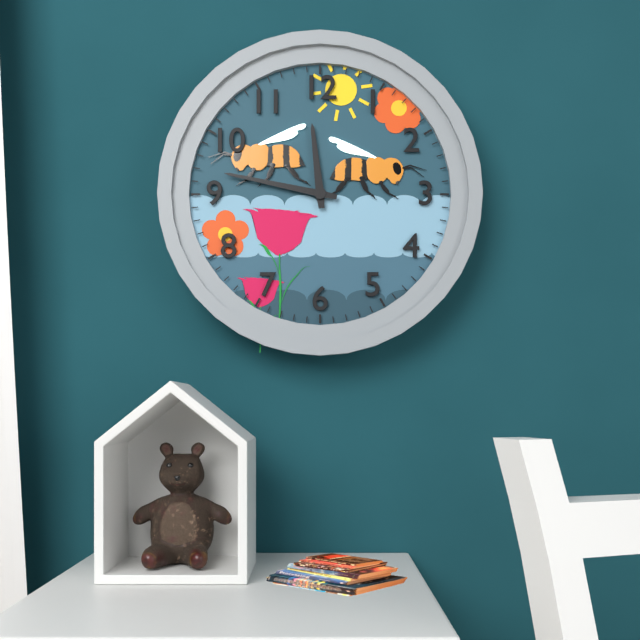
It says 11 h 47 min
